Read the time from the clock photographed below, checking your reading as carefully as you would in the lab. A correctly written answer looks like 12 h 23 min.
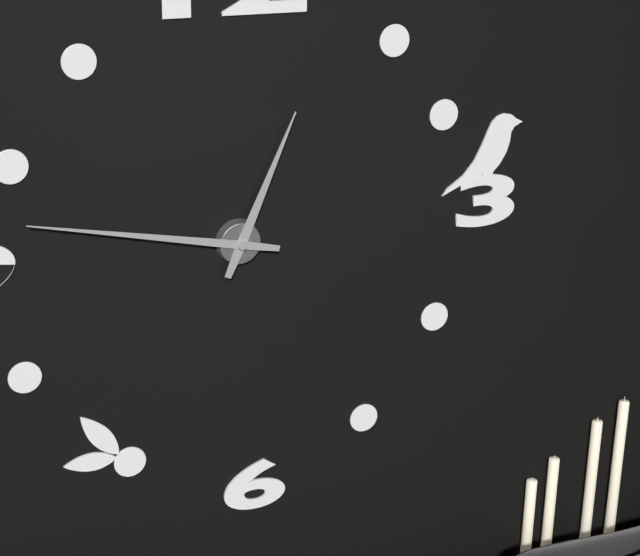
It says 12 h 47 min
